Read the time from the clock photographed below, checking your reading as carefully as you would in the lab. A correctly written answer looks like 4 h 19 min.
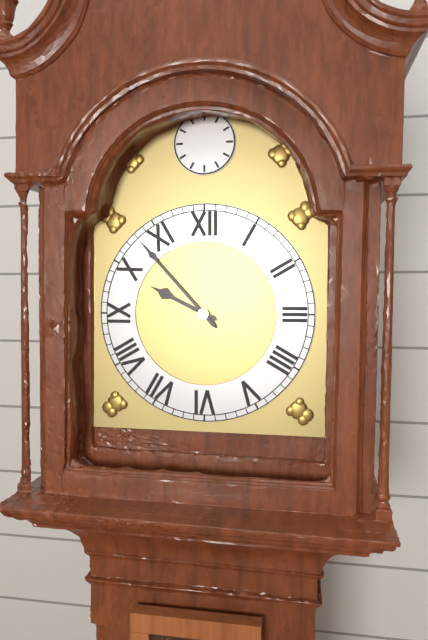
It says 9 h 53 min
